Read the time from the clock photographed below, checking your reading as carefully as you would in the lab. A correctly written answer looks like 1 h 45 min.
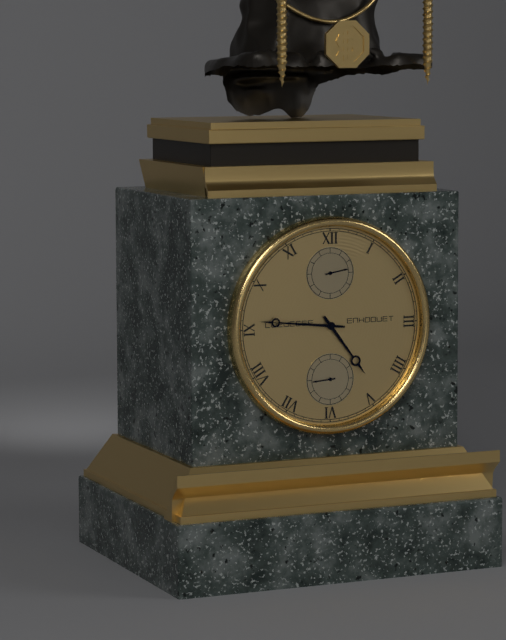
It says 4 h 46 min
